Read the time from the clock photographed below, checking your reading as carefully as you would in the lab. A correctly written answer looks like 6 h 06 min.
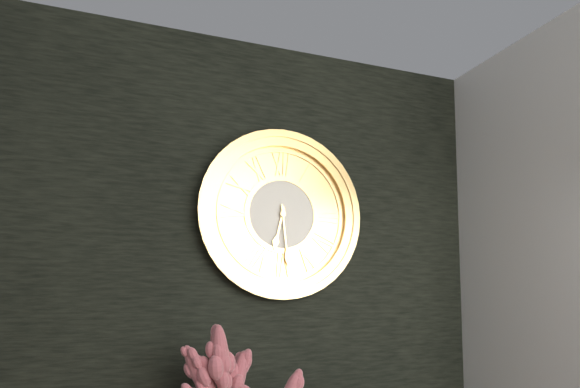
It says 6 h 29 min
